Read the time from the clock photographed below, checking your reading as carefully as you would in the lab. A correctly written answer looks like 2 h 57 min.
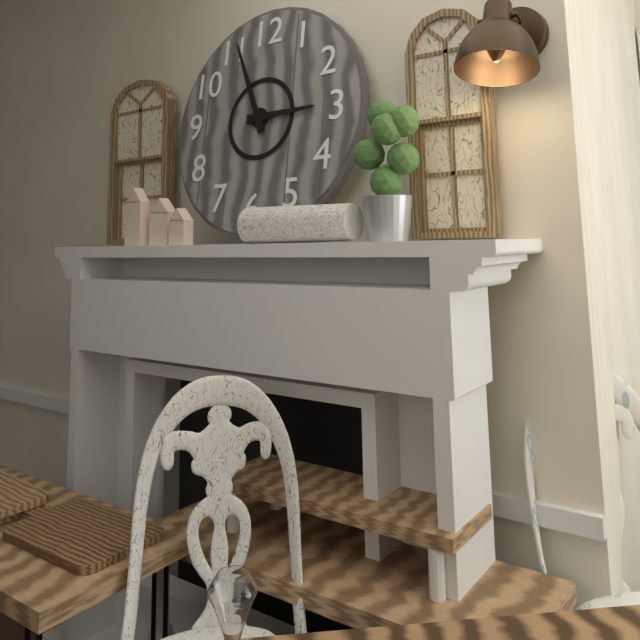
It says 2 h 56 min
